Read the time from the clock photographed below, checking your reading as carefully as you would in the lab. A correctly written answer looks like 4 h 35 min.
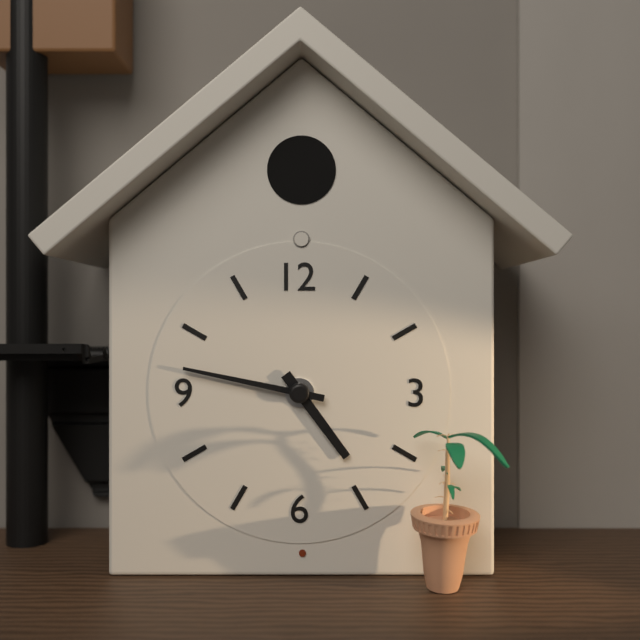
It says 4 h 47 min
